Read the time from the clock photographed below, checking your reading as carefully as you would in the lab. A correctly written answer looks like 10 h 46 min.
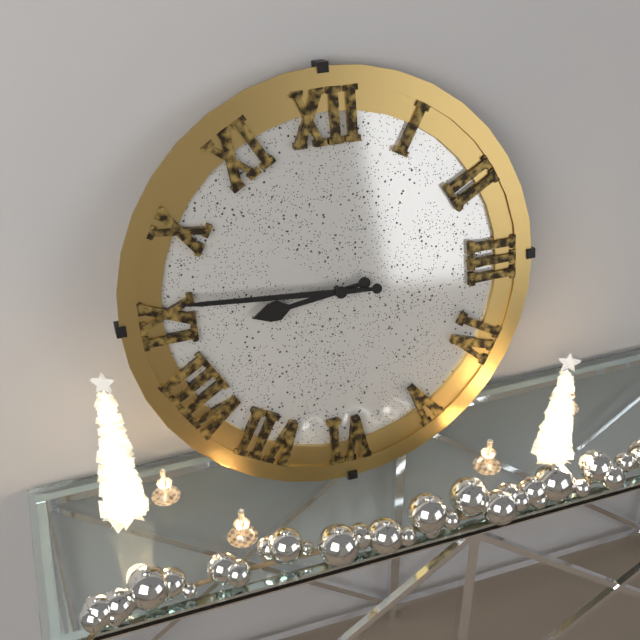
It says 8 h 46 min
